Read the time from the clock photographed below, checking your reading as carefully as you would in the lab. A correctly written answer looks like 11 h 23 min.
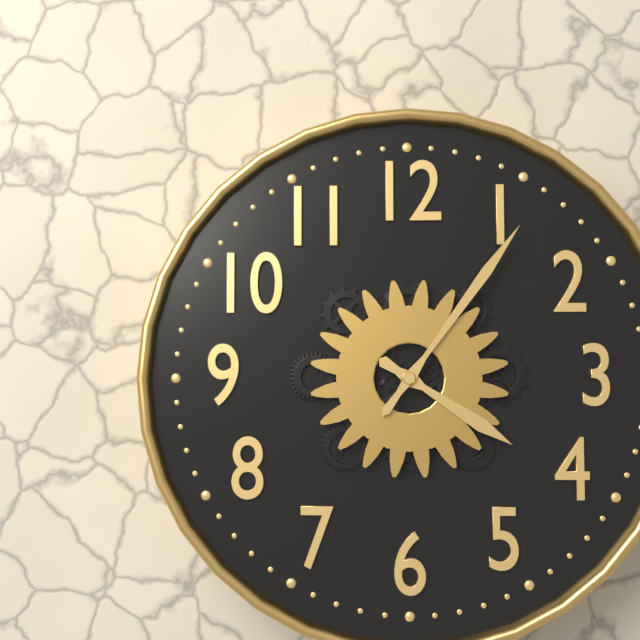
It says 4 h 06 min
